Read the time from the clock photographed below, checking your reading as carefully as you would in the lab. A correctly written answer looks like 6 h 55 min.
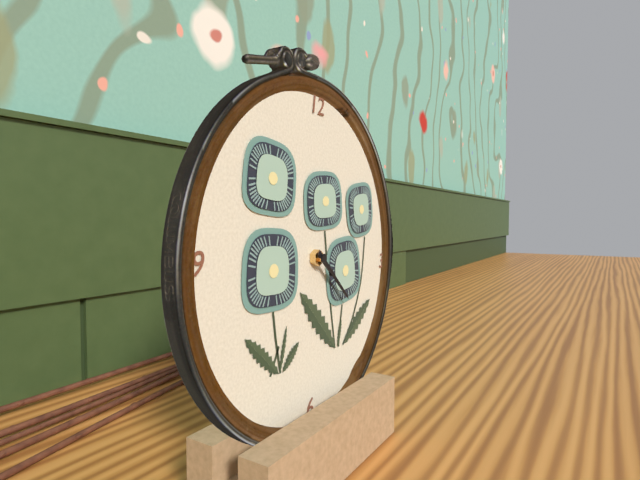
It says 4 h 22 min
